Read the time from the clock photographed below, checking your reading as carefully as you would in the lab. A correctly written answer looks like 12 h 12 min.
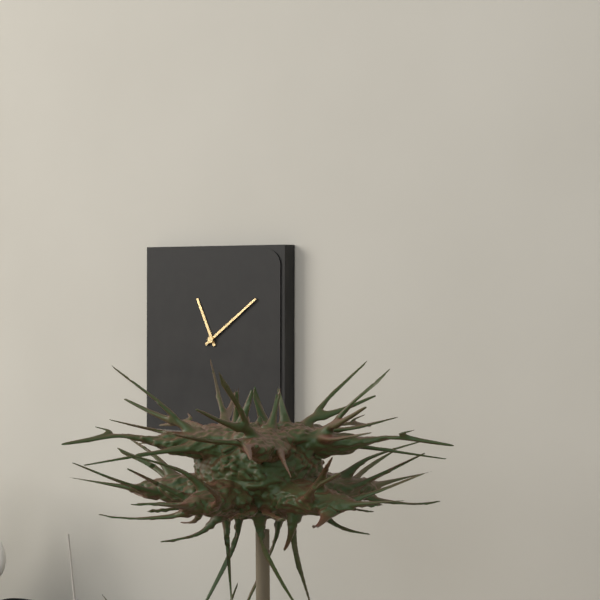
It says 11 h 09 min
